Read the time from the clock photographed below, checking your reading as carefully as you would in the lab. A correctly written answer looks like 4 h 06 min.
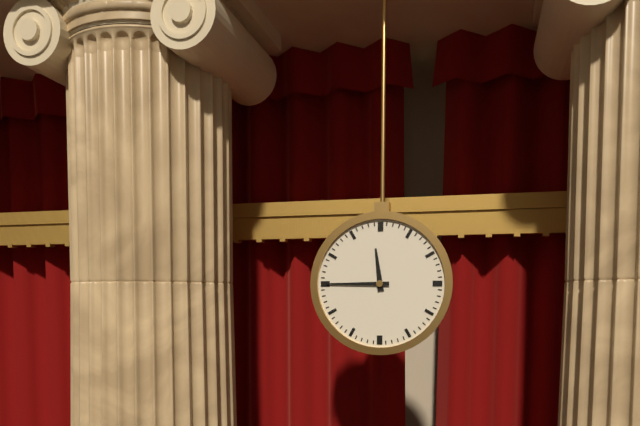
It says 11 h 45 min
